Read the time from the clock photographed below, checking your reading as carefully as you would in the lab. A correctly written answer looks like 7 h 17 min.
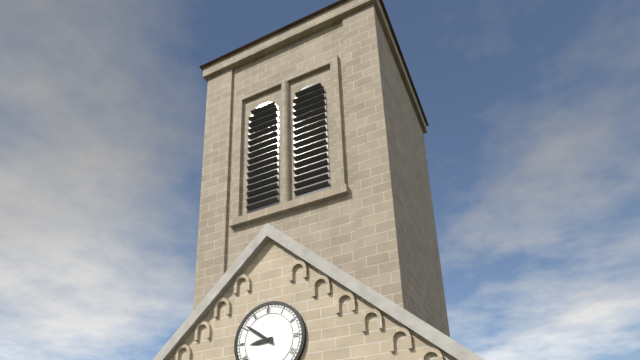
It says 8 h 51 min
